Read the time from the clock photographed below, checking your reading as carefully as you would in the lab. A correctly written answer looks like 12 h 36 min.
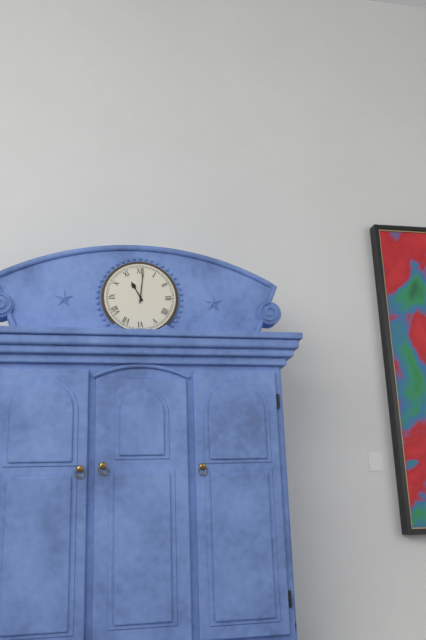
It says 11 h 01 min
